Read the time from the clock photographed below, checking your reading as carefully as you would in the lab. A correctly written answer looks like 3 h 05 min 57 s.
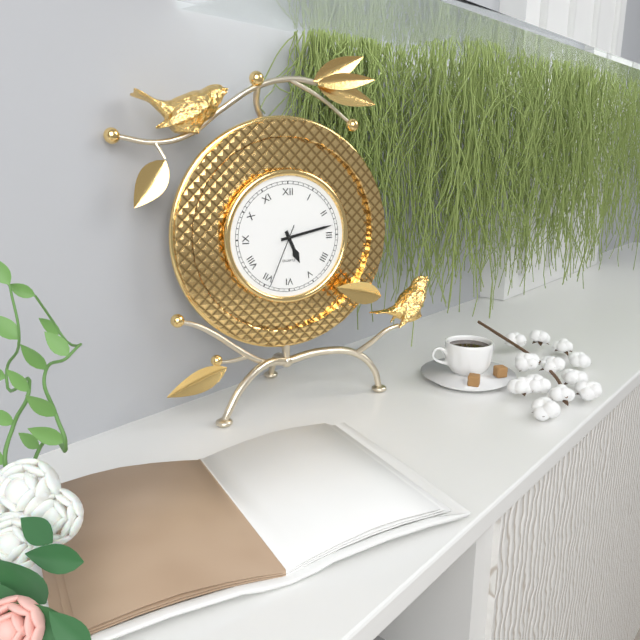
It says 5 h 13 min 34 s
